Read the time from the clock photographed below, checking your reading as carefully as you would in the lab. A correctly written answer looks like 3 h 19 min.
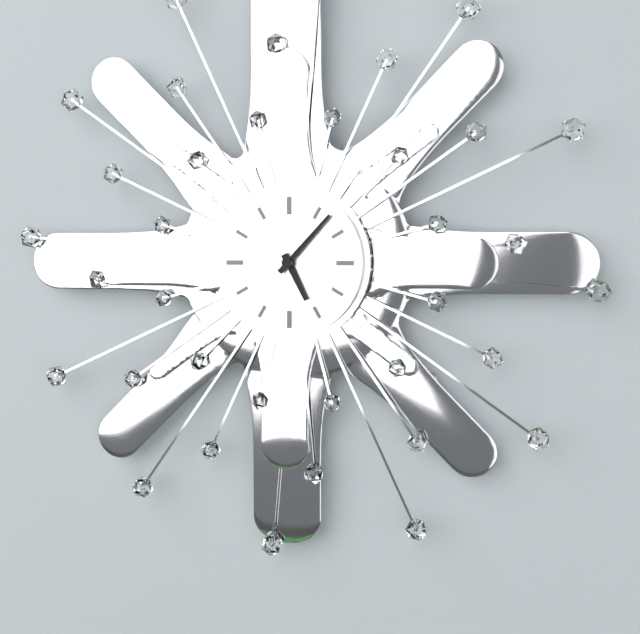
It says 5 h 07 min
